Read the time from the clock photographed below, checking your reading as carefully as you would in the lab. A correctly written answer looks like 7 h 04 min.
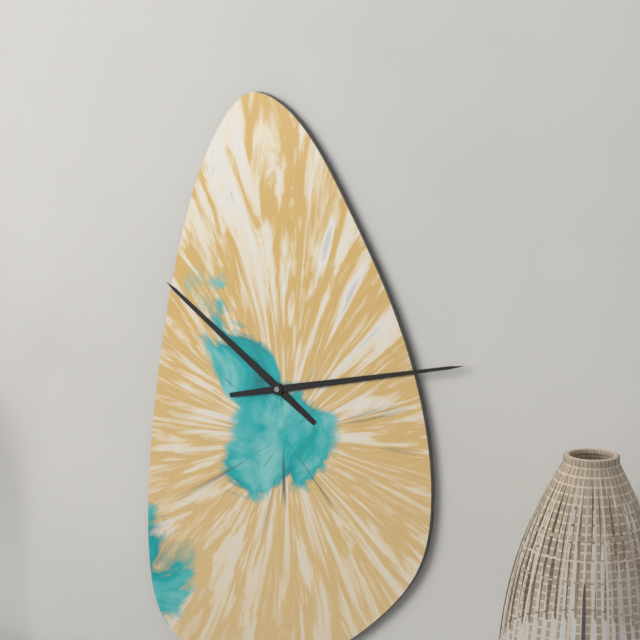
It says 10 h 13 min
